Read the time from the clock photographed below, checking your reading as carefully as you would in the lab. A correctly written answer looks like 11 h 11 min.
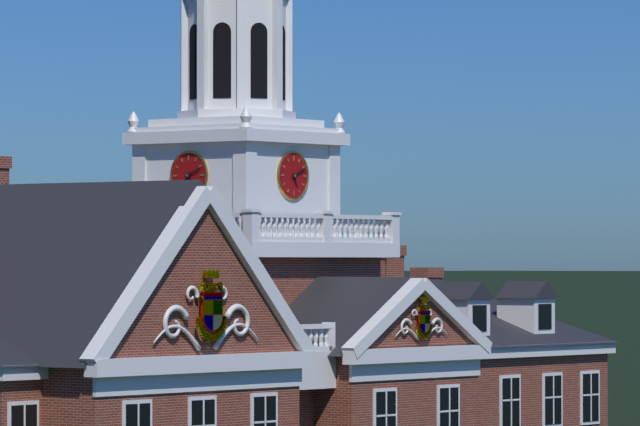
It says 5 h 11 min
